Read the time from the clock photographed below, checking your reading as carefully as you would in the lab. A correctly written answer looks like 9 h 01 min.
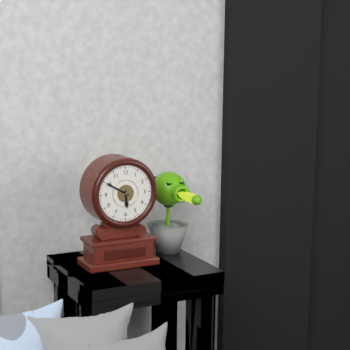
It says 5 h 50 min
